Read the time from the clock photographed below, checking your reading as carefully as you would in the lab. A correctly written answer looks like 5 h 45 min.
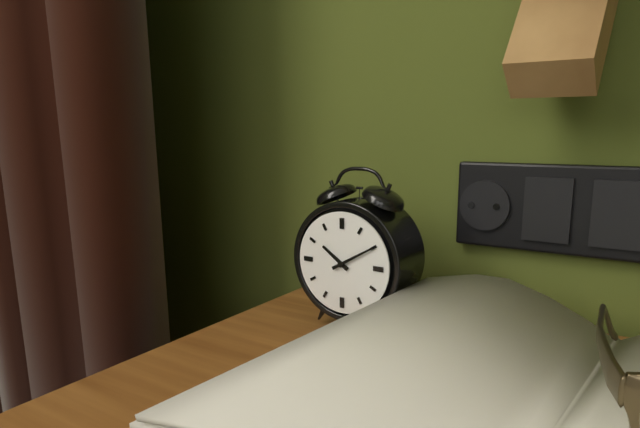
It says 10 h 10 min
